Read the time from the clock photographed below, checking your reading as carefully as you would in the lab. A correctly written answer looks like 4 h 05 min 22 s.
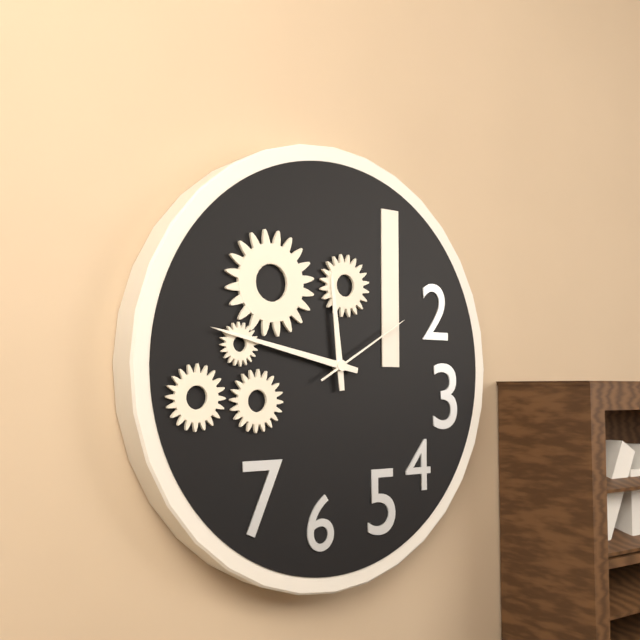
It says 11 h 47 min 10 s
